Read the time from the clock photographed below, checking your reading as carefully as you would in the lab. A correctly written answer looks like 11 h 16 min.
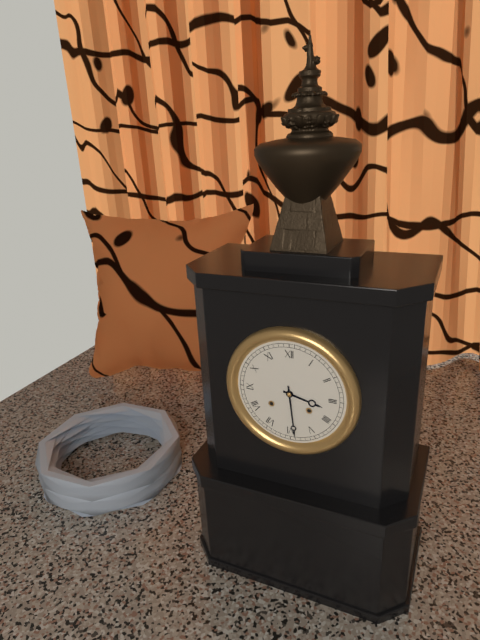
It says 3 h 29 min
